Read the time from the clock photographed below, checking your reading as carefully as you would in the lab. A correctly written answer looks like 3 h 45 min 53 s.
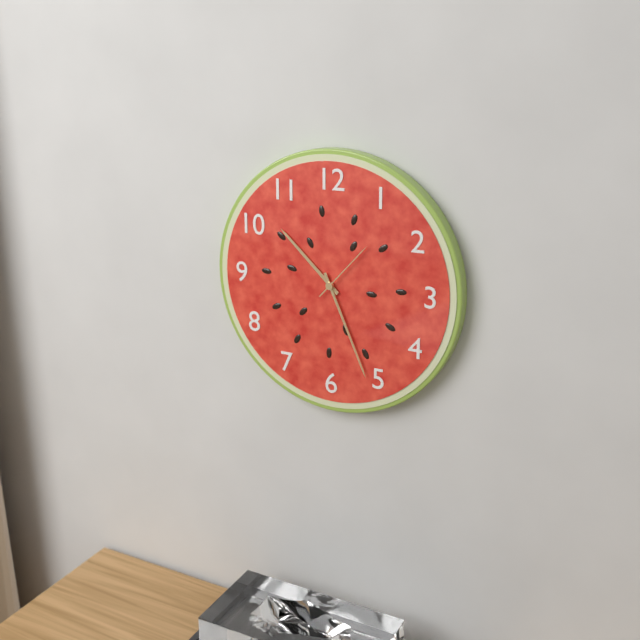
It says 10 h 26 min 07 s
